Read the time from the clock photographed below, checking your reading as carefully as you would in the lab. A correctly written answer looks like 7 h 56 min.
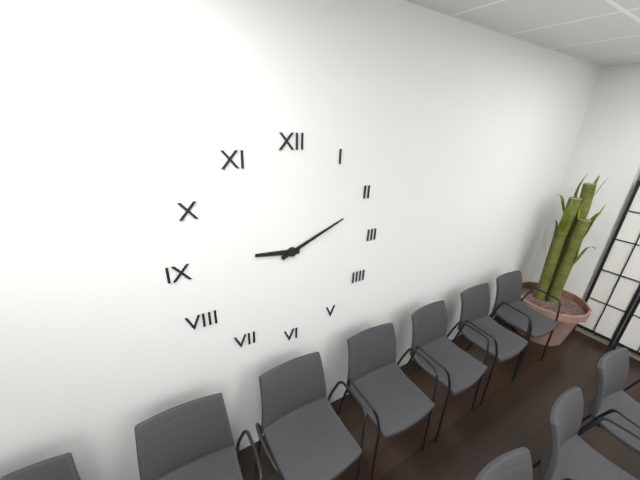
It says 9 h 11 min
